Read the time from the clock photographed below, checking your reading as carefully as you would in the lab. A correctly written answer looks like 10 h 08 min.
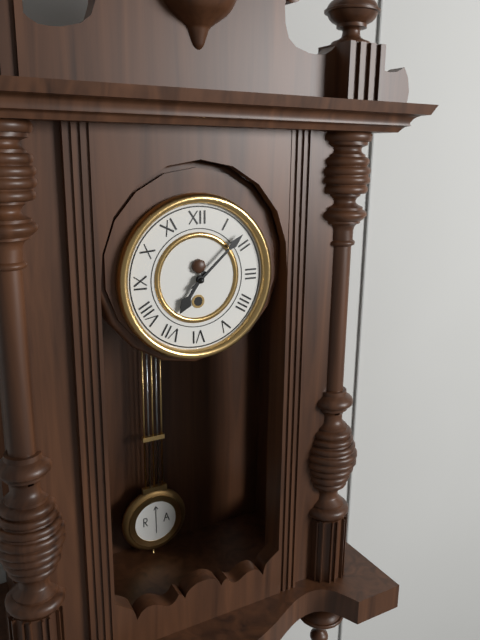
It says 7 h 08 min
